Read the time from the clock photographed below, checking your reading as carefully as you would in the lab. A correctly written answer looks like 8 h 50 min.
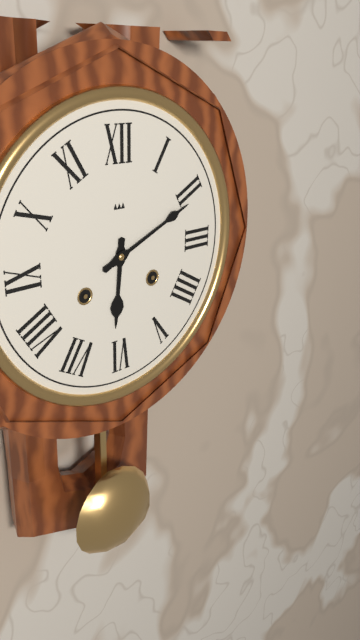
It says 6 h 11 min
